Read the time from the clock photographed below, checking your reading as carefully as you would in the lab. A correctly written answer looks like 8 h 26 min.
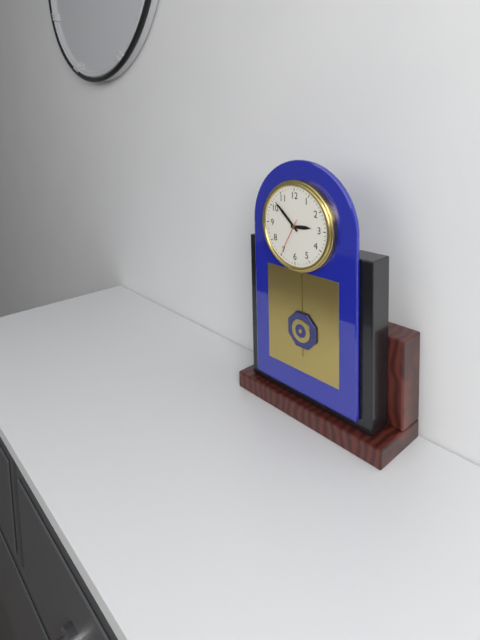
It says 2 h 52 min
